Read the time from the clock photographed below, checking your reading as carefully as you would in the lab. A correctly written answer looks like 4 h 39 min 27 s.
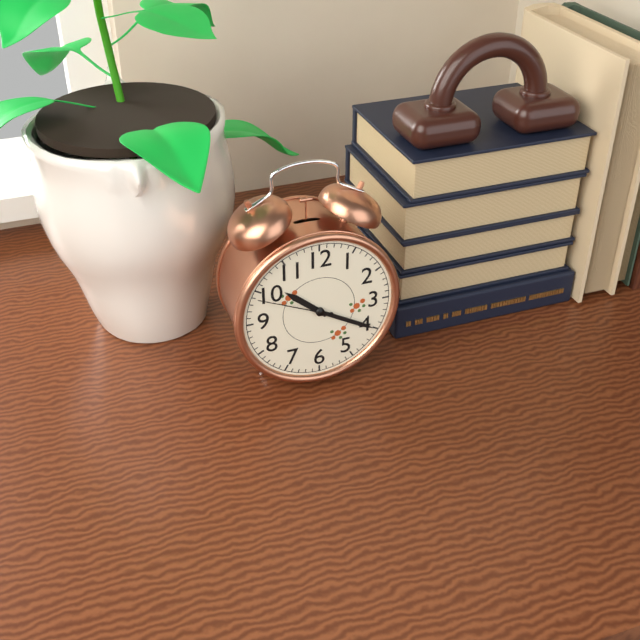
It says 10 h 20 min 49 s
